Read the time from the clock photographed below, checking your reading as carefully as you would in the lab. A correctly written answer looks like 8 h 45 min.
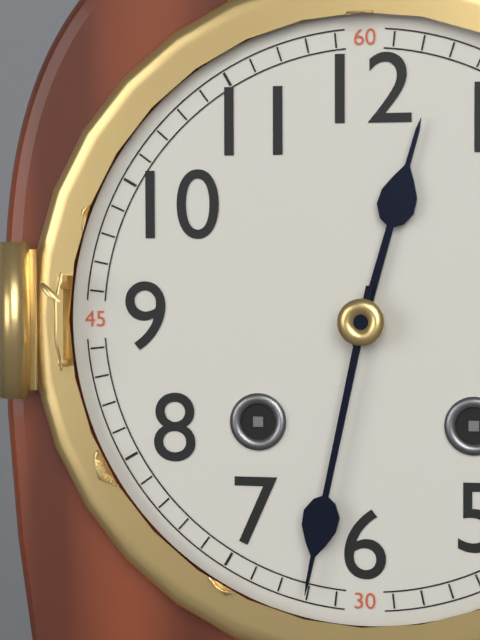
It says 12 h 32 min
